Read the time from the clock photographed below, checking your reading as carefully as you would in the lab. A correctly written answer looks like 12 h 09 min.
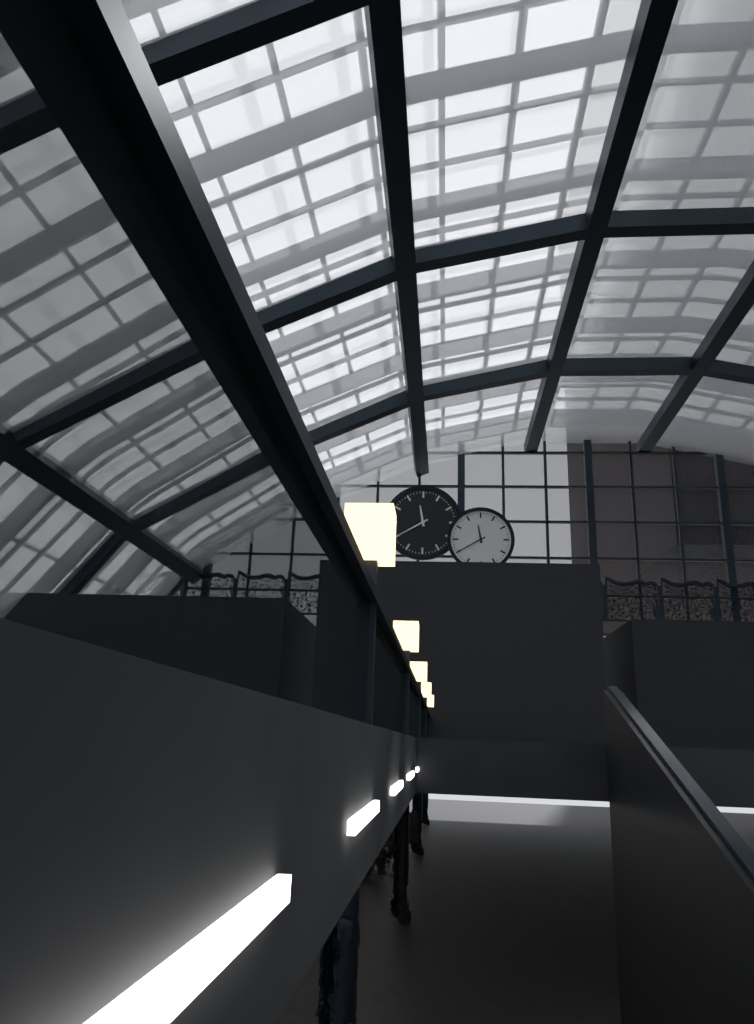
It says 11 h 40 min
